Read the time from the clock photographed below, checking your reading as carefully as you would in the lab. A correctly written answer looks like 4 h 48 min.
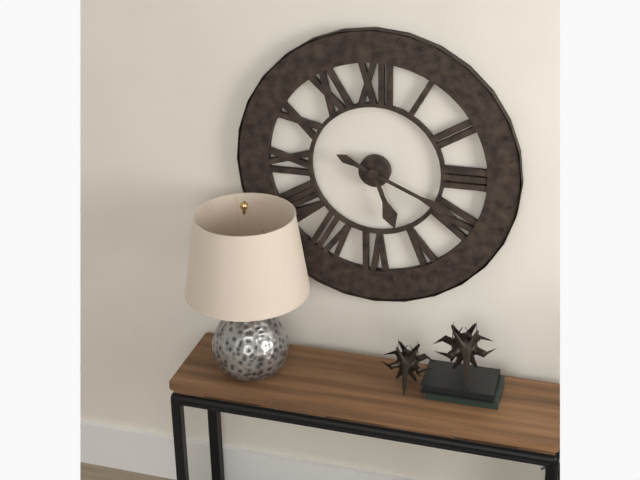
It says 5 h 19 min
